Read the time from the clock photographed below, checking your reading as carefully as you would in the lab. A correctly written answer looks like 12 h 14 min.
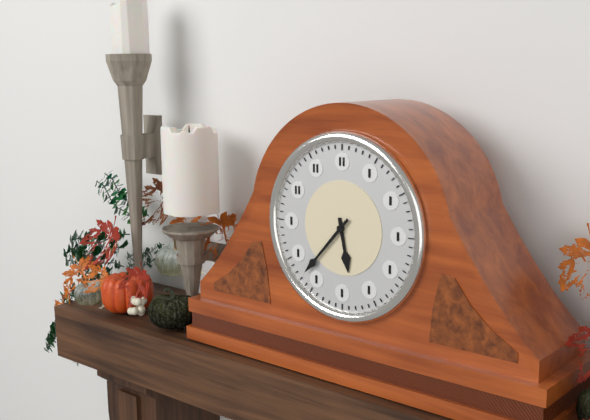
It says 5 h 37 min
